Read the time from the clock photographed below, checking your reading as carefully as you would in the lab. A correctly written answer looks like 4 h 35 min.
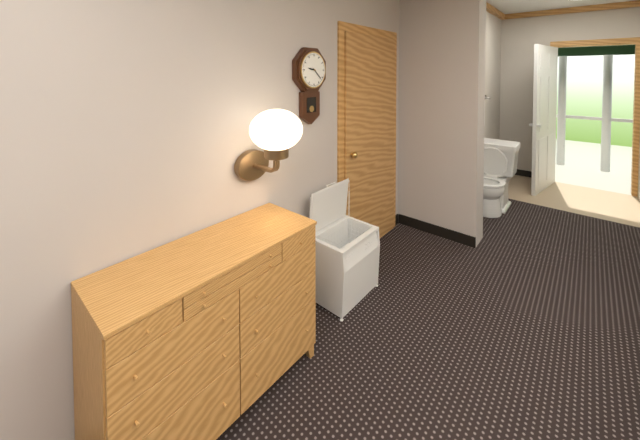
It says 9 h 22 min
